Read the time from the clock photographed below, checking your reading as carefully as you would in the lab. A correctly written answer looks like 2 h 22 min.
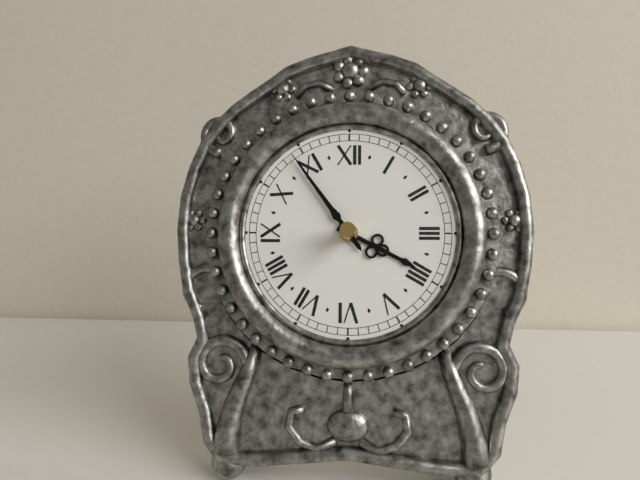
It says 3 h 54 min
